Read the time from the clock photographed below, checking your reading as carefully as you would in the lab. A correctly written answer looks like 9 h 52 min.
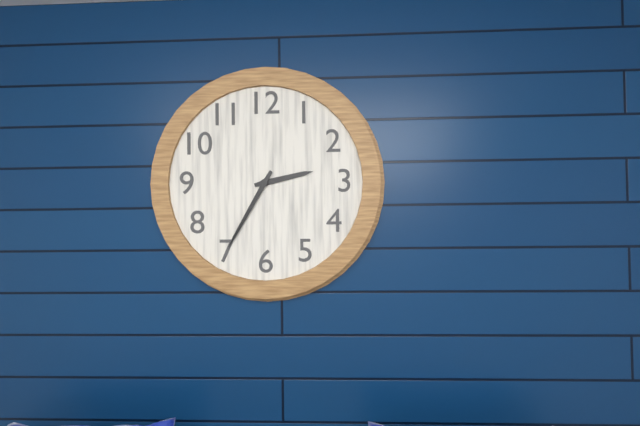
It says 2 h 35 min
